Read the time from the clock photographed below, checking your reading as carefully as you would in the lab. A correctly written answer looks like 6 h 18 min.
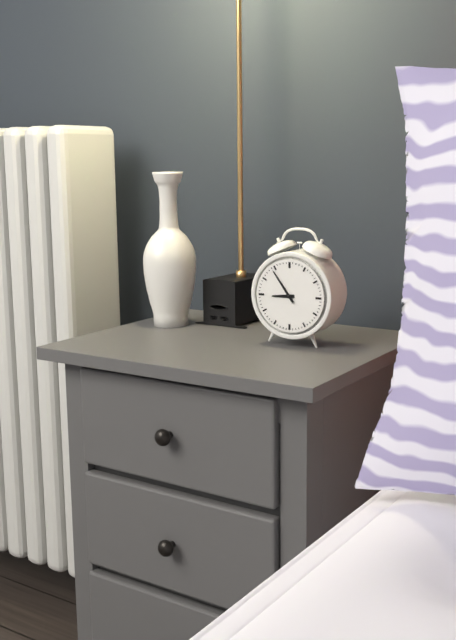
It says 8 h 54 min
